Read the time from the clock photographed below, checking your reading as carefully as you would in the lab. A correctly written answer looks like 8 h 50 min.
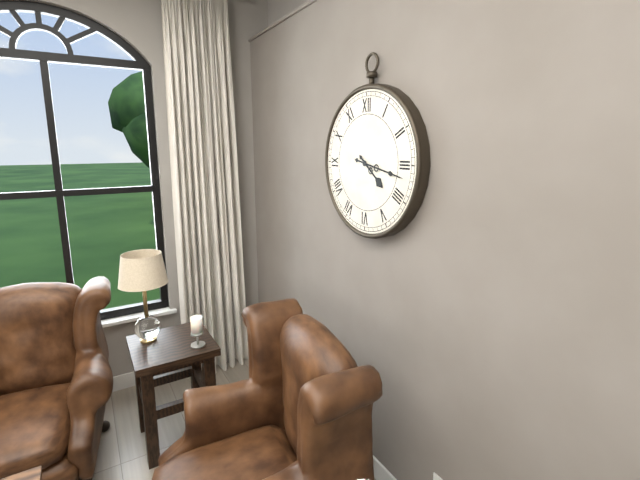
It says 4 h 17 min
